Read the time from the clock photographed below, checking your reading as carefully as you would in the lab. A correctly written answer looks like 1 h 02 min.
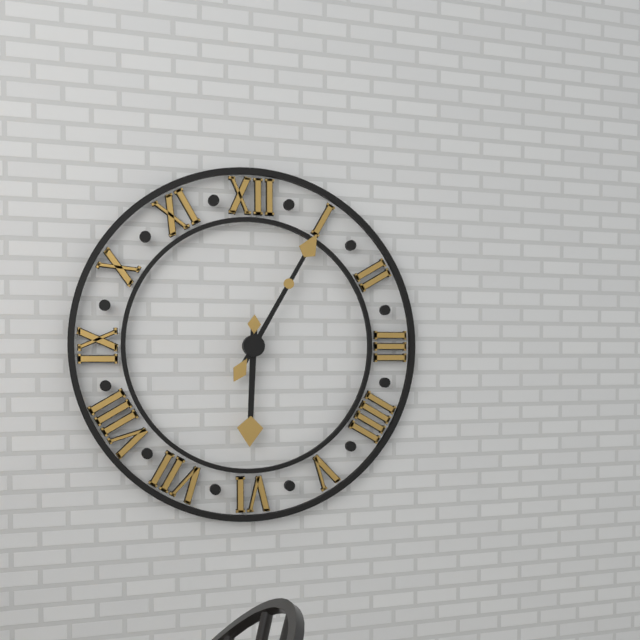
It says 6 h 05 min
